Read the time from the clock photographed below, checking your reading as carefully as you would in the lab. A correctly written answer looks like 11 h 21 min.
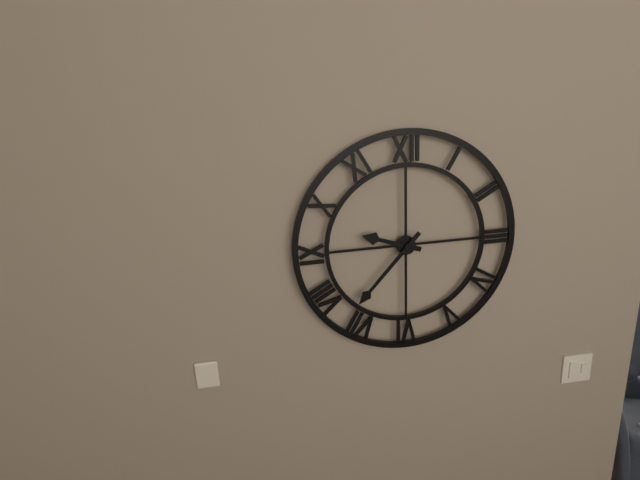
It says 9 h 37 min
